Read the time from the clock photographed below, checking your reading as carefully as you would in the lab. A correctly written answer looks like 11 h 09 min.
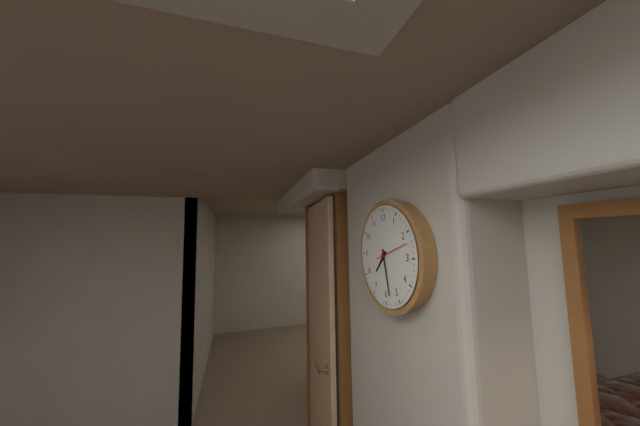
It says 7 h 28 min
